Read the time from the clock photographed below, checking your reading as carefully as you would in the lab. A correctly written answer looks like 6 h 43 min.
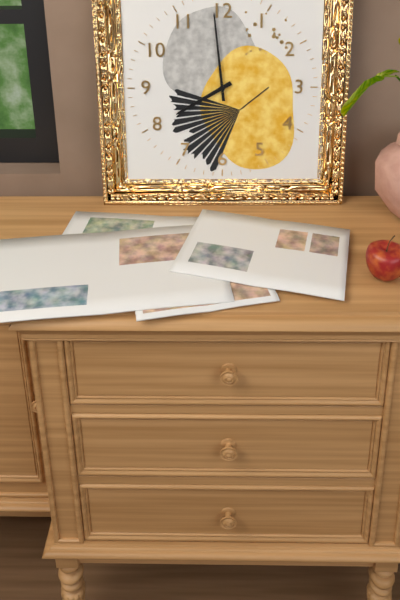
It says 7 h 59 min
